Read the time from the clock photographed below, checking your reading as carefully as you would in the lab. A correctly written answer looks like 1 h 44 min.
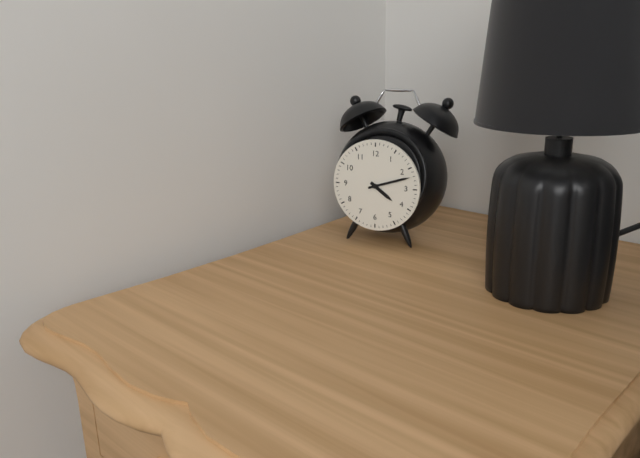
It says 4 h 12 min
